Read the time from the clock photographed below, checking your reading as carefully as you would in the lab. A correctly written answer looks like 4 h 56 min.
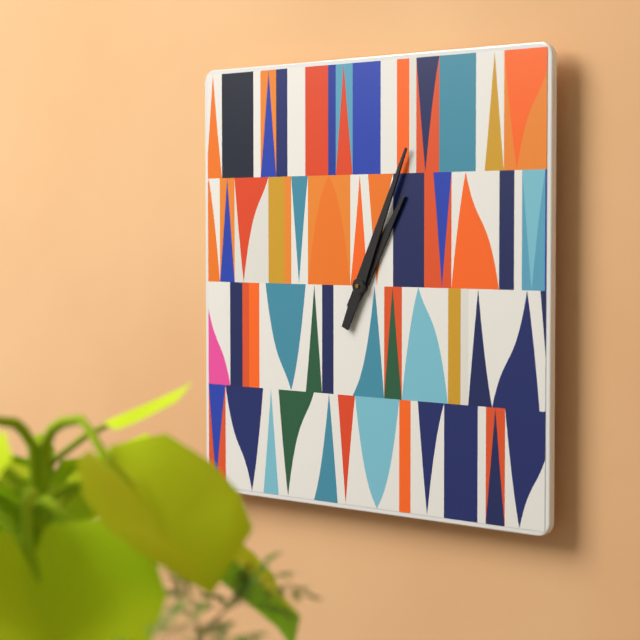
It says 1 h 04 min
